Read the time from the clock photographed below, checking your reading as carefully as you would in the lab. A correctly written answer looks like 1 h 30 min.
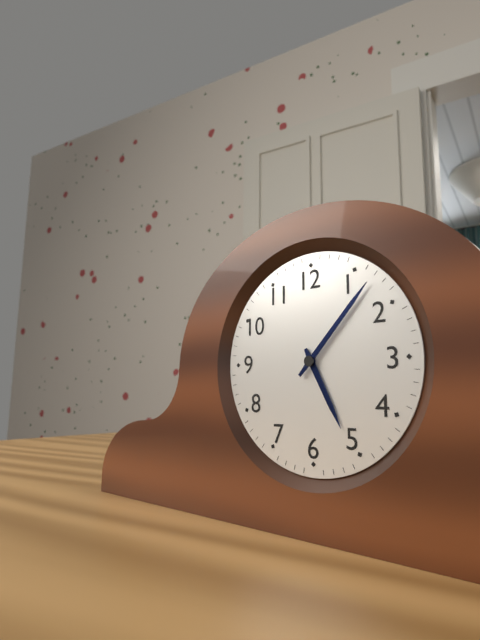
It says 5 h 07 min
